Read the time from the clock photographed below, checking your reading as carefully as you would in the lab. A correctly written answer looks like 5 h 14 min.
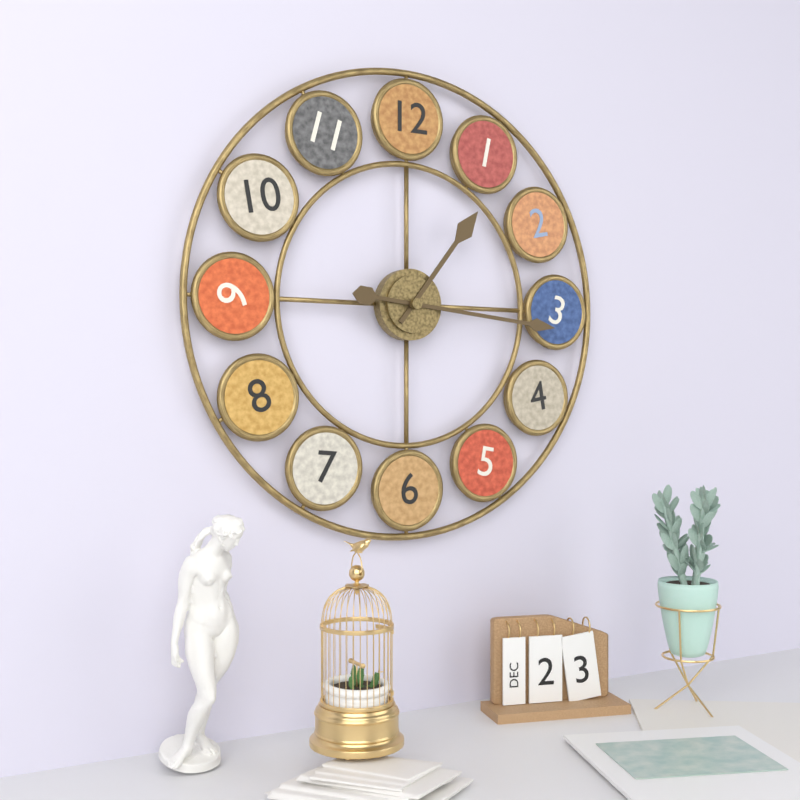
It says 1 h 16 min
